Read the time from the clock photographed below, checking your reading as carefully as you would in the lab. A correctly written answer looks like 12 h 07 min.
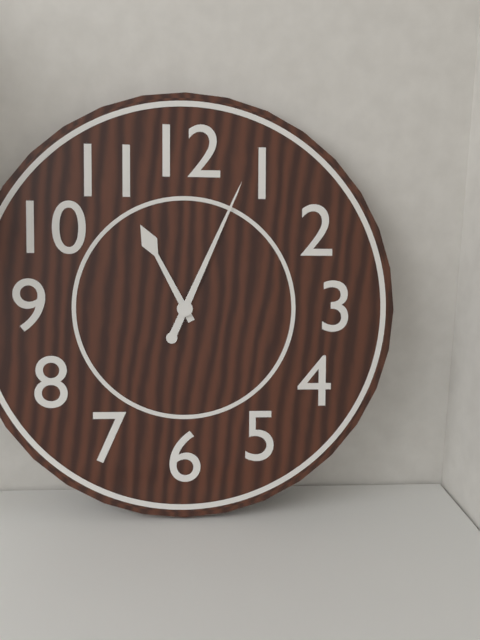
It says 11 h 04 min
